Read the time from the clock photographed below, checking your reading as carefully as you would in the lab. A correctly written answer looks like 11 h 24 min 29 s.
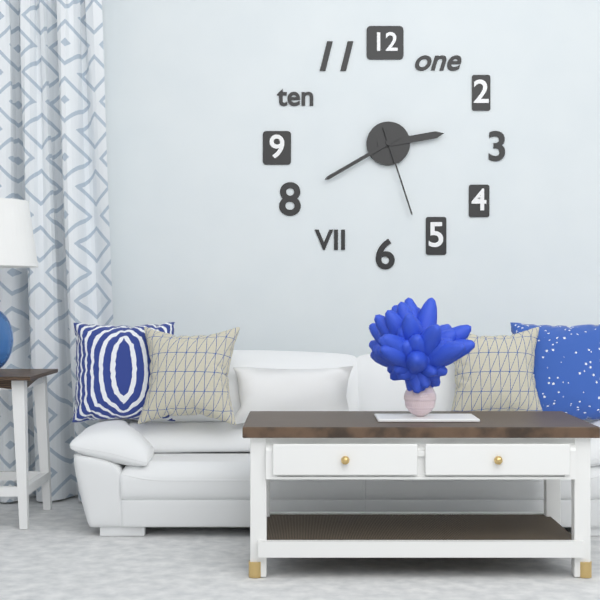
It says 2 h 40 min 27 s
